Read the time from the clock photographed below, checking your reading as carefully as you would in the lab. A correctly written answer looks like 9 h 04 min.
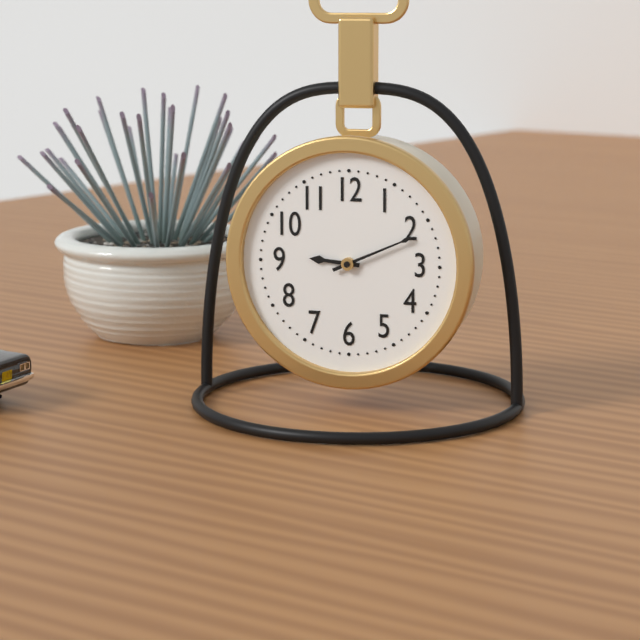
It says 9 h 11 min
